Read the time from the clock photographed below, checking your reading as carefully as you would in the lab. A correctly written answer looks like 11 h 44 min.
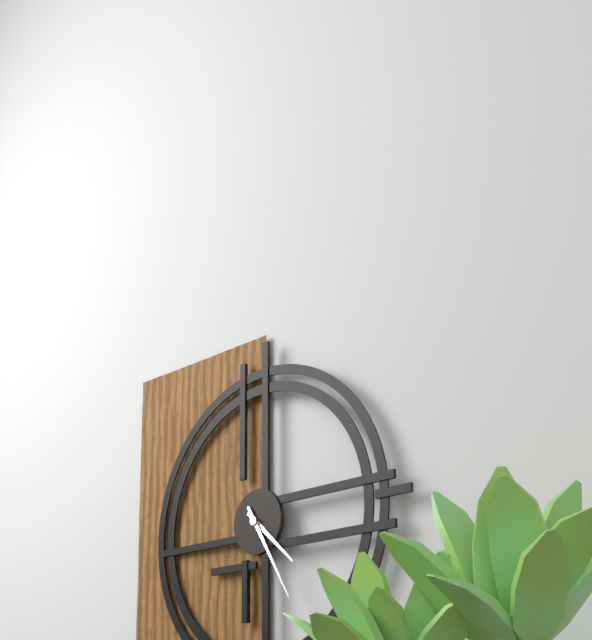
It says 4 h 25 min
